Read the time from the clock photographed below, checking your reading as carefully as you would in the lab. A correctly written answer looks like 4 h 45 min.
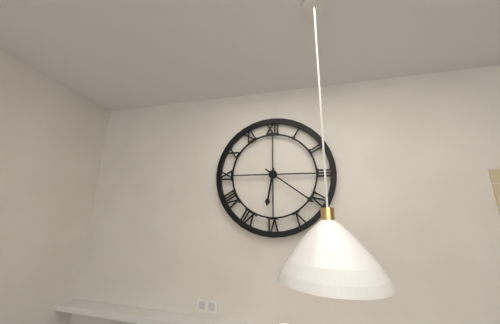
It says 6 h 21 min
